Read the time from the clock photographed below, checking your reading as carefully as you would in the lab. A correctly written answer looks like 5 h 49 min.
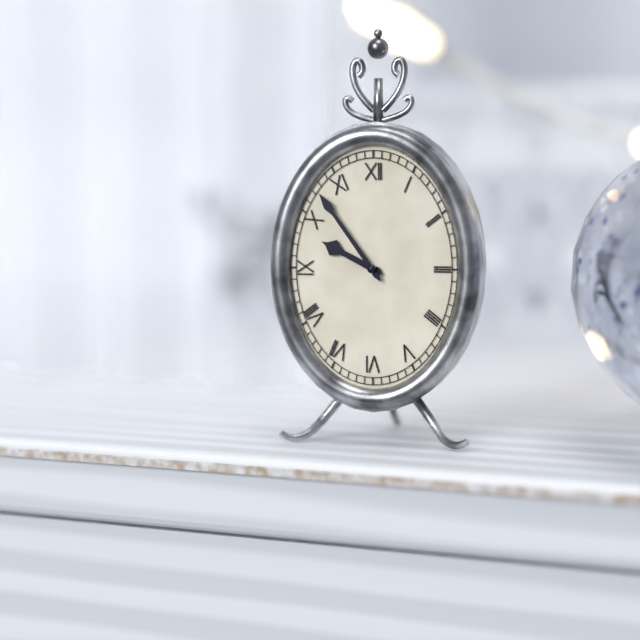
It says 9 h 54 min
